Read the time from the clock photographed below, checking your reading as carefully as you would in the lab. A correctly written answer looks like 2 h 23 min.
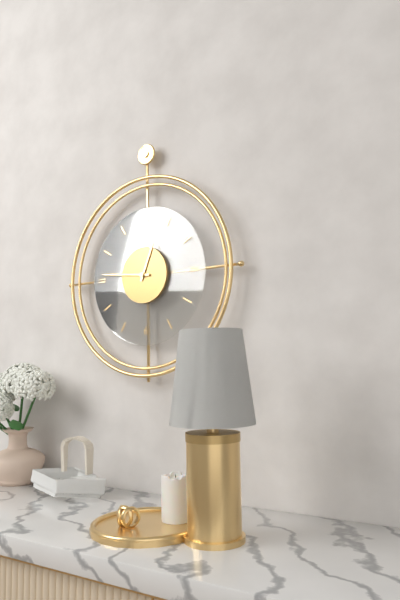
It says 12 h 46 min
